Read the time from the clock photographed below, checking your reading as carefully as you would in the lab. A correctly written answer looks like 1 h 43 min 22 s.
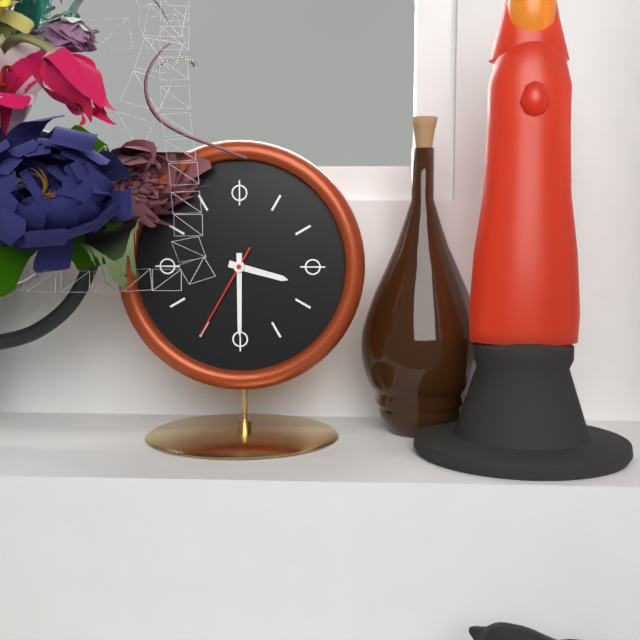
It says 3 h 30 min 35 s
